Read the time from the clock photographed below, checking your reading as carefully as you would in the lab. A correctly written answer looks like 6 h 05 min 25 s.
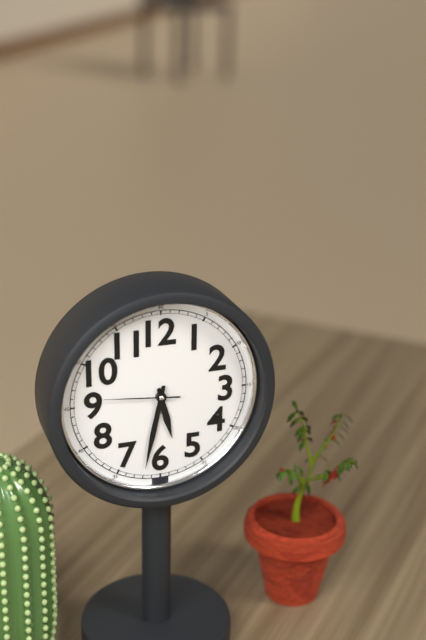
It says 5 h 32 min 46 s
